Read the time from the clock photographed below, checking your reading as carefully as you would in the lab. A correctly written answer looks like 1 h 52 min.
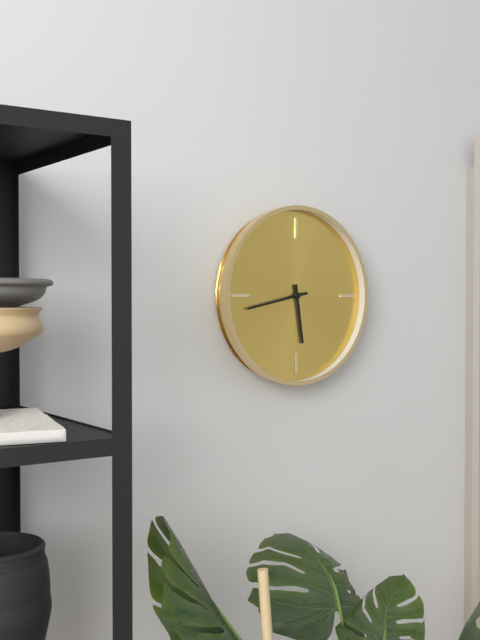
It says 5 h 43 min
